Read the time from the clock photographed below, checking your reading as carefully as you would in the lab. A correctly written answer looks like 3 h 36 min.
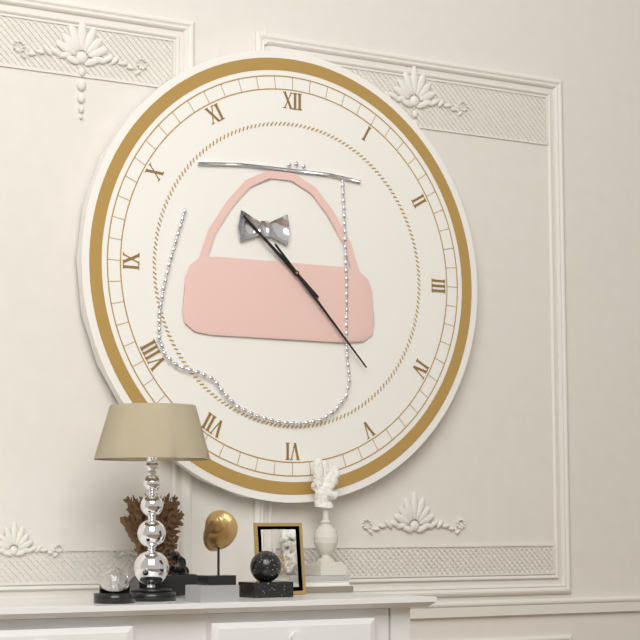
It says 10 h 23 min
